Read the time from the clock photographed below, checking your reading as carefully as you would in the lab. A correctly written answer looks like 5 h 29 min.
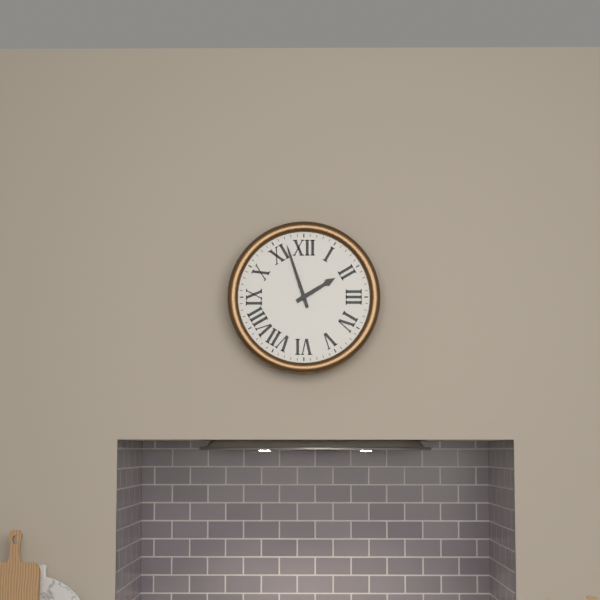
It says 1 h 57 min
